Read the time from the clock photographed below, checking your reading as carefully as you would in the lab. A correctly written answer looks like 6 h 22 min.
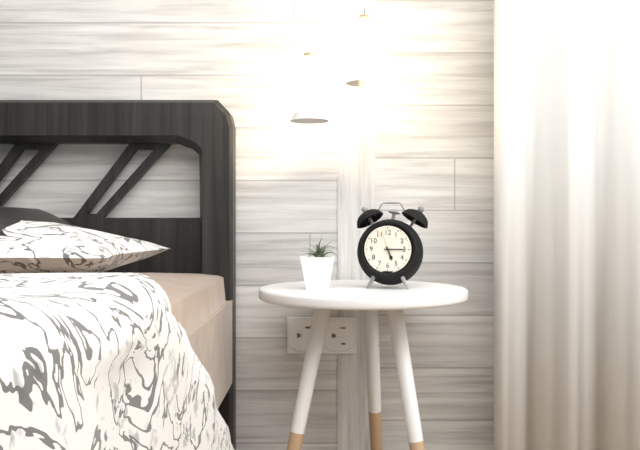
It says 5 h 15 min
